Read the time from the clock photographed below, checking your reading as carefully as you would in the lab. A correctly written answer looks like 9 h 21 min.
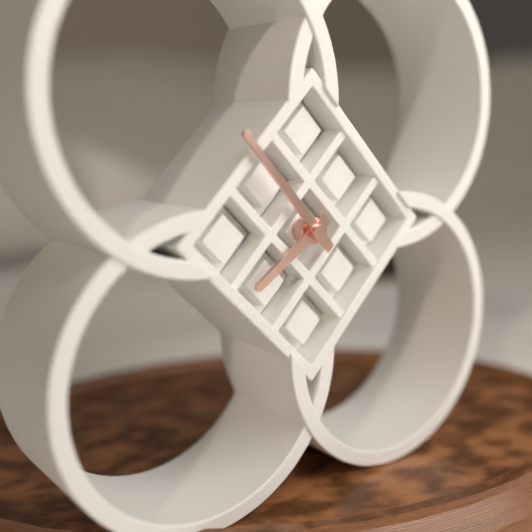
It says 7 h 53 min
